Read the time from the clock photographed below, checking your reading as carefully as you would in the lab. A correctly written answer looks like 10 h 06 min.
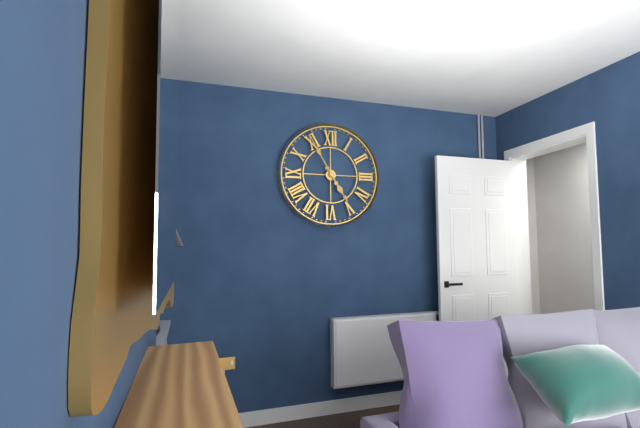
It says 4 h 55 min
